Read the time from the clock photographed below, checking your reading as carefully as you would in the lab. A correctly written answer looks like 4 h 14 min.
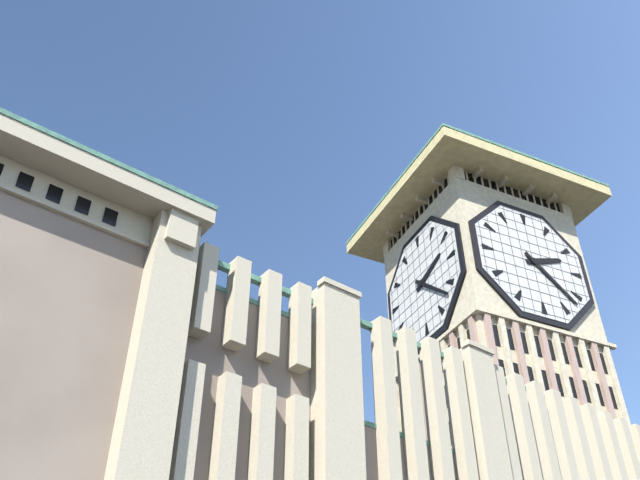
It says 2 h 22 min
